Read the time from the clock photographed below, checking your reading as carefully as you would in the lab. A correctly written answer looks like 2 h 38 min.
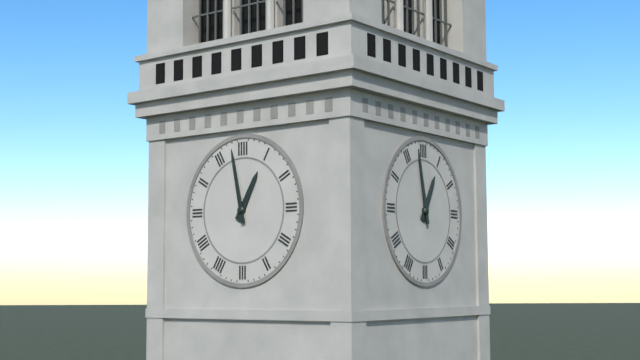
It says 12 h 58 min
